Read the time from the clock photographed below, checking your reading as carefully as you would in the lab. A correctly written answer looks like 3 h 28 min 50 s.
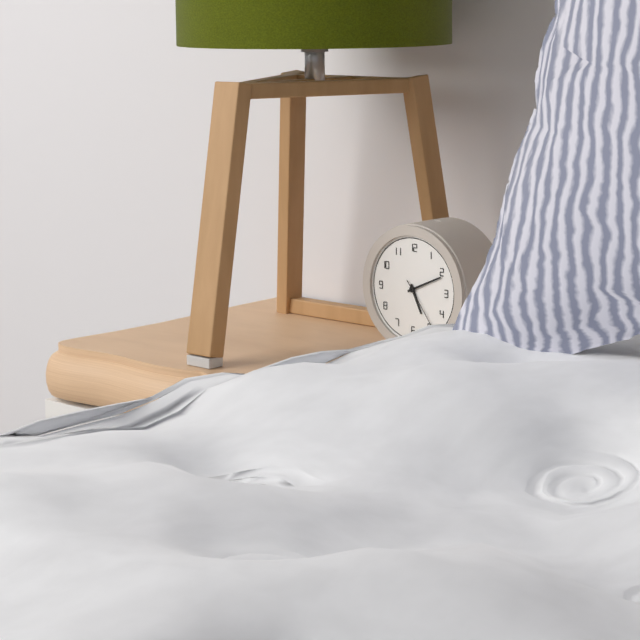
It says 5 h 11 min 24 s
